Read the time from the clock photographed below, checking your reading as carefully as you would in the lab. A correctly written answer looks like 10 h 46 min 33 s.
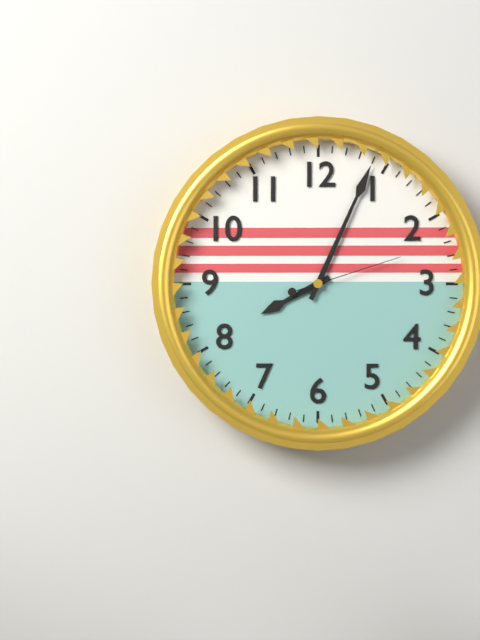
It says 8 h 04 min 12 s
